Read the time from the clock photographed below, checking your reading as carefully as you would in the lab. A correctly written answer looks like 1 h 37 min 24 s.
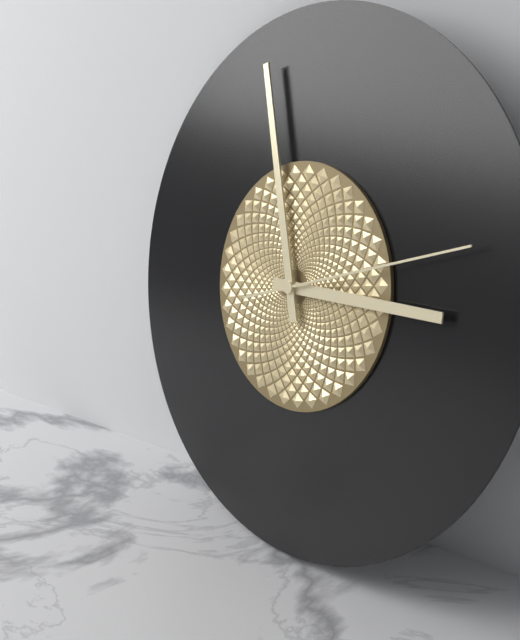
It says 2 h 57 min 12 s
